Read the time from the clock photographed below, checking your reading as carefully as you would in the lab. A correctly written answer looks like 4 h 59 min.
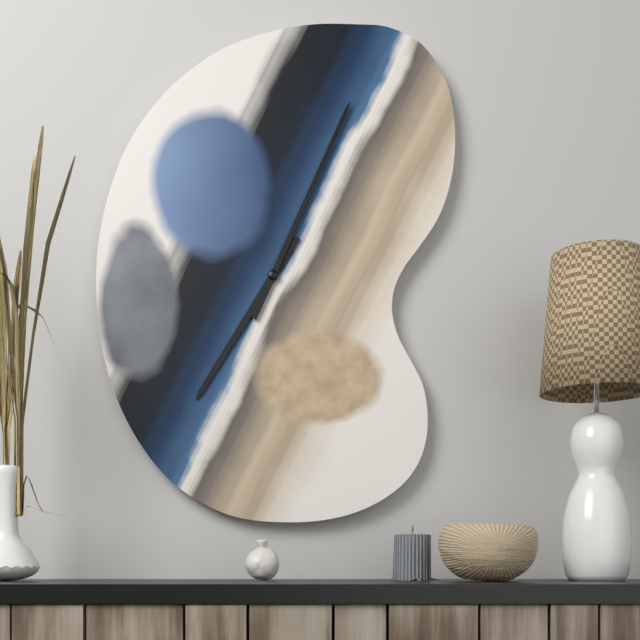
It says 7 h 04 min
